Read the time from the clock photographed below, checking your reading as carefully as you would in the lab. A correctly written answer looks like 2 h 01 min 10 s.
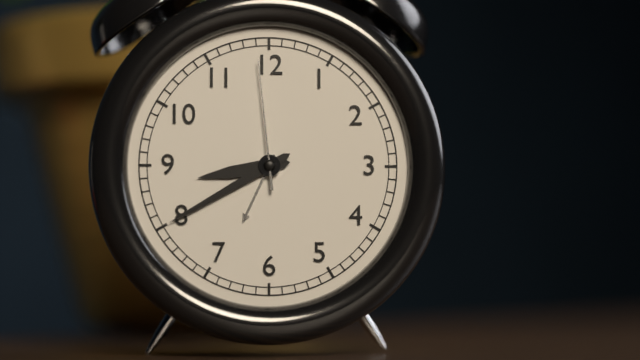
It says 8 h 40 min 59 s
